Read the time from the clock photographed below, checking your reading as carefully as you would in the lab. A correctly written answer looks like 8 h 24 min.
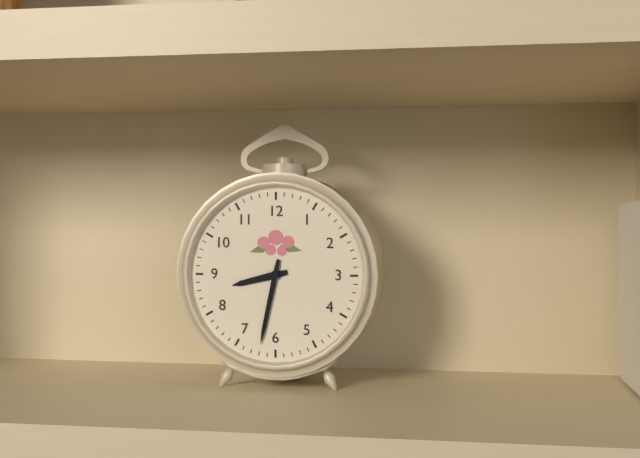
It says 8 h 32 min
